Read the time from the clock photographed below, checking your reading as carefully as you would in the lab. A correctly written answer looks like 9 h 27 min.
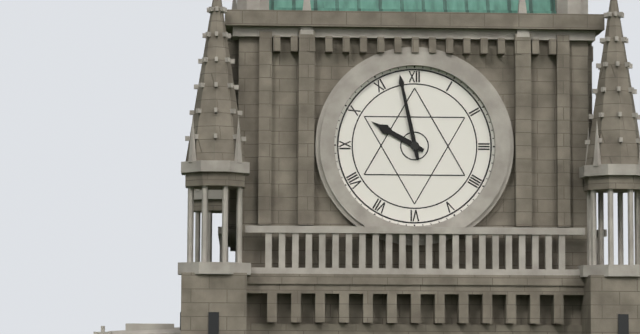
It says 9 h 58 min
